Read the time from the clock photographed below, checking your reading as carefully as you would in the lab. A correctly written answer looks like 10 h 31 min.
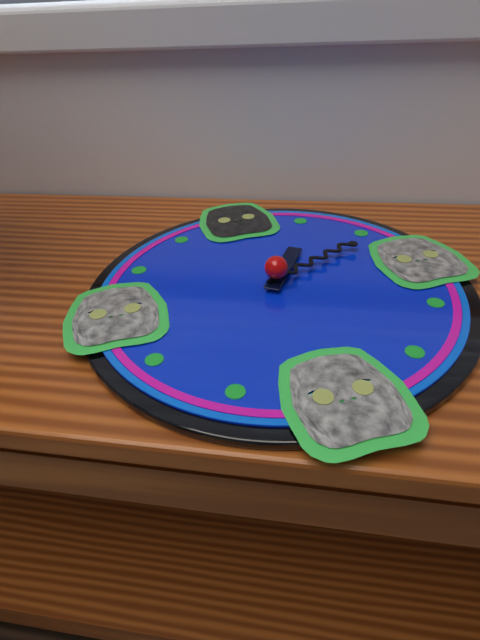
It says 1 h 11 min
